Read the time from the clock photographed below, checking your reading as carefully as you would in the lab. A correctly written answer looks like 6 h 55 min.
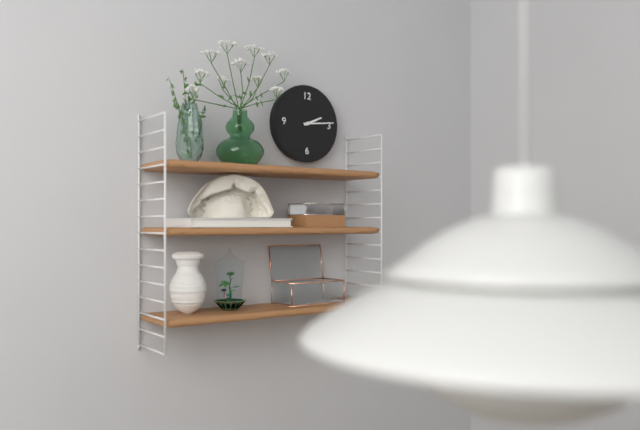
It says 2 h 14 min
